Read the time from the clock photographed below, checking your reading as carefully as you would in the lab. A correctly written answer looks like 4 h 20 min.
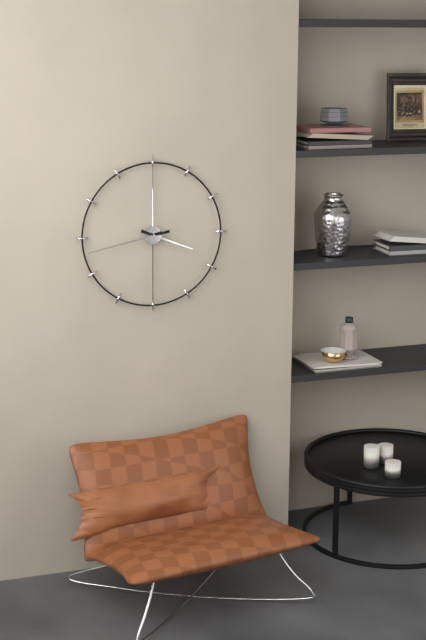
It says 3 h 43 min
